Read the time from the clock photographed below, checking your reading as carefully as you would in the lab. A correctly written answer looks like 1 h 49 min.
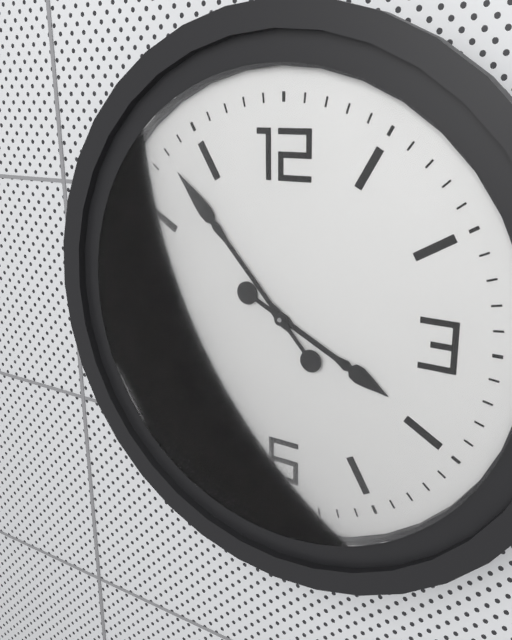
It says 3 h 53 min
